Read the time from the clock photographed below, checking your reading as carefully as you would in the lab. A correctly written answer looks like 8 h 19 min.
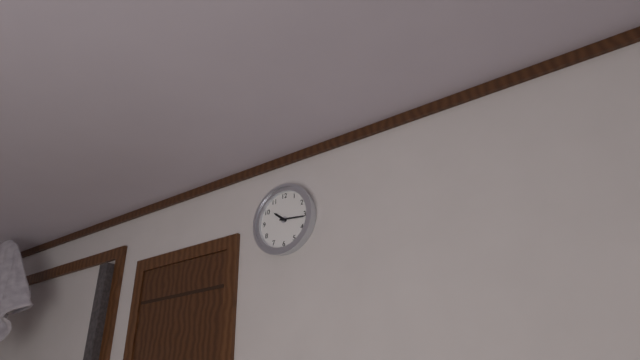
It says 10 h 16 min
